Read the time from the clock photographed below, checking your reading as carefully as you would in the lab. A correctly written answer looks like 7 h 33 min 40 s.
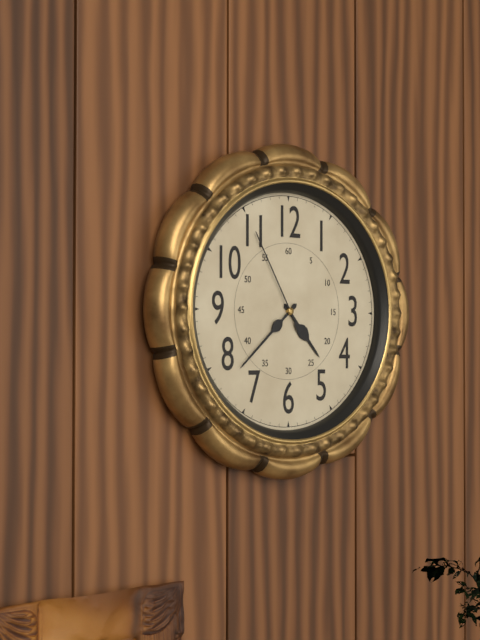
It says 4 h 38 min 55 s
